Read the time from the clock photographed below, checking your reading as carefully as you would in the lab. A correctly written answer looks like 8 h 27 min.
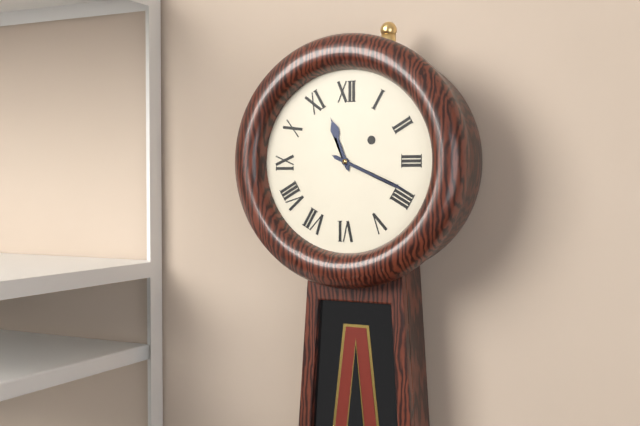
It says 11 h 19 min
